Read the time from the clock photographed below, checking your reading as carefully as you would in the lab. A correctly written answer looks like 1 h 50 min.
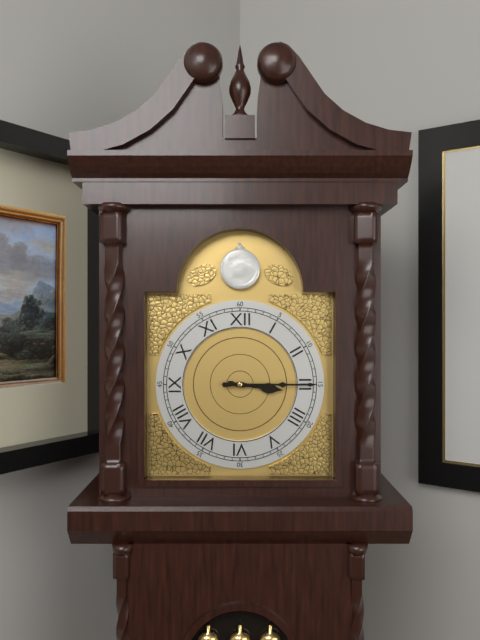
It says 3 h 15 min
